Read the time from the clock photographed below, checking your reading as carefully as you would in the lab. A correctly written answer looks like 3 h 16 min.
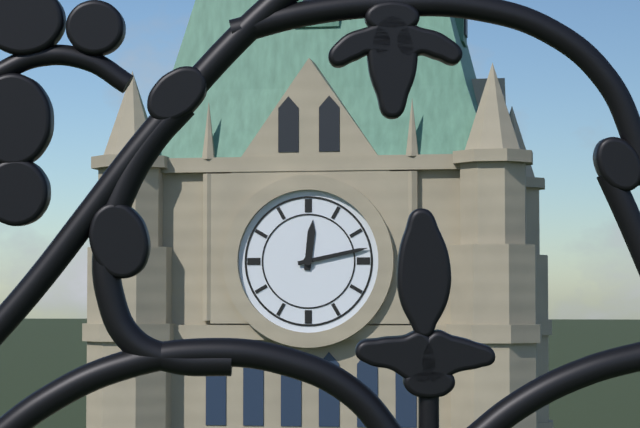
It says 12 h 13 min
